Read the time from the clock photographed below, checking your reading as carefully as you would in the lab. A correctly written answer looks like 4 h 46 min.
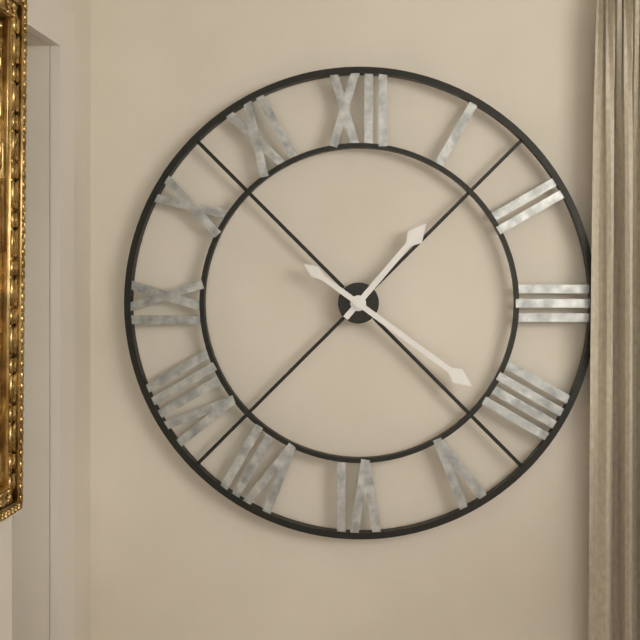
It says 1 h 21 min
